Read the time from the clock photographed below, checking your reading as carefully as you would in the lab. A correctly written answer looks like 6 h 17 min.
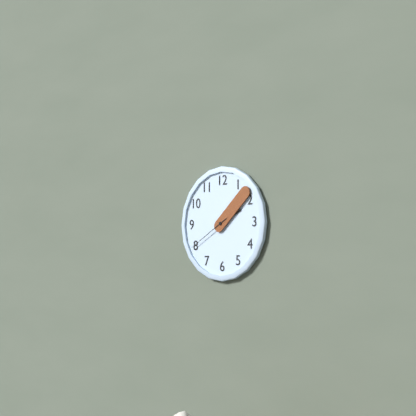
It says 2 h 08 min
